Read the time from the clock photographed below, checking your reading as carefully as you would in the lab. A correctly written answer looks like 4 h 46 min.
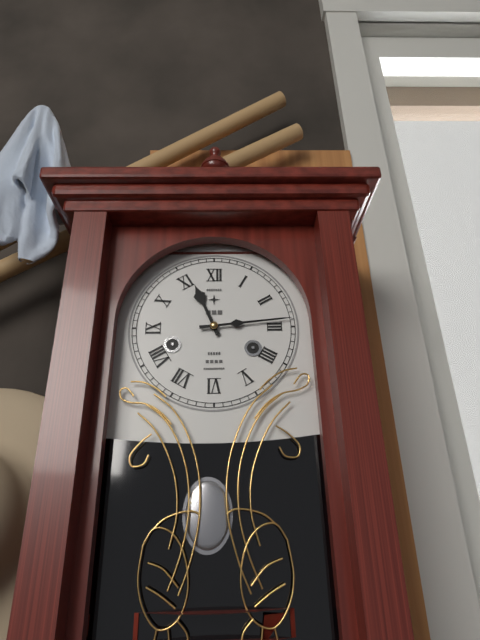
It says 11 h 14 min
